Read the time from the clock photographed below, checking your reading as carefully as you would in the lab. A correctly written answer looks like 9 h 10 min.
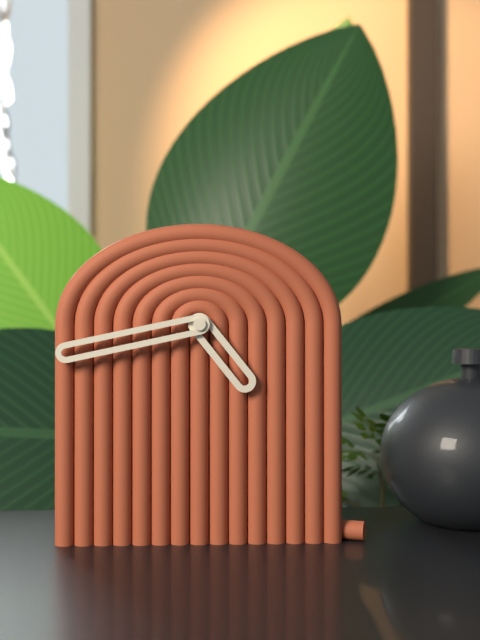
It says 4 h 43 min
